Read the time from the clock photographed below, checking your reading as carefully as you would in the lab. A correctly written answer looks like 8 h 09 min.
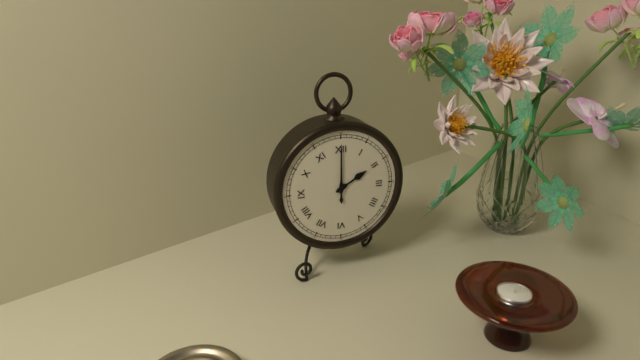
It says 2 h 00 min
